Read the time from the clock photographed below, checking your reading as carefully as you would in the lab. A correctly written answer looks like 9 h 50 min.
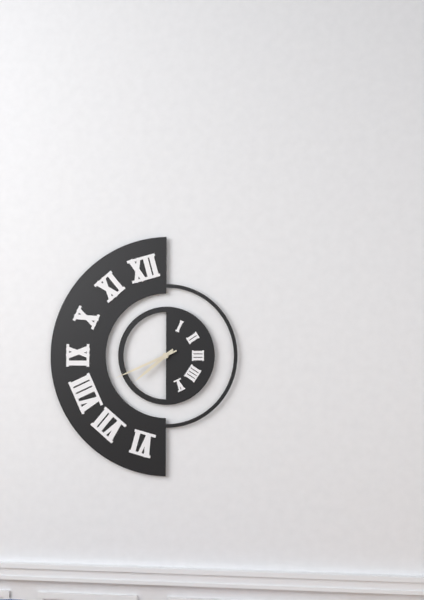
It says 7 h 41 min
